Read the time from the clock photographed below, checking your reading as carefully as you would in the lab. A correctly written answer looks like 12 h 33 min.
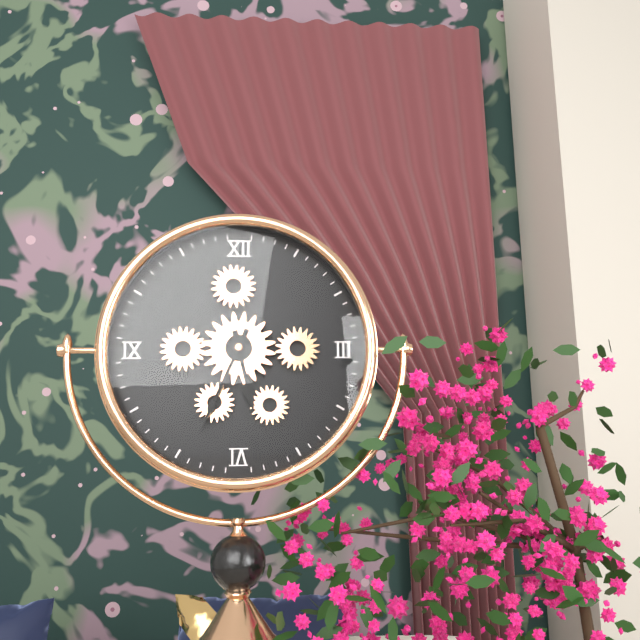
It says 5 h 34 min
